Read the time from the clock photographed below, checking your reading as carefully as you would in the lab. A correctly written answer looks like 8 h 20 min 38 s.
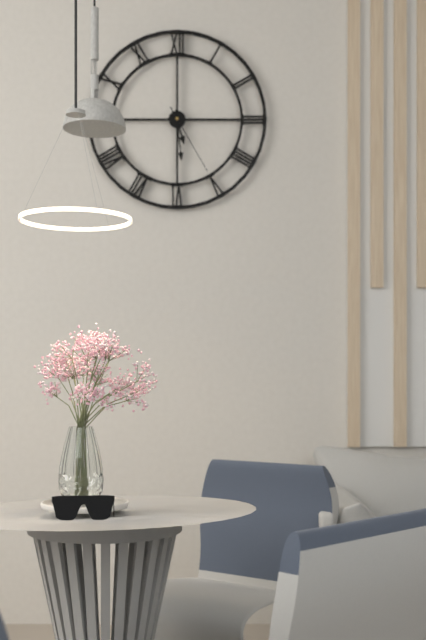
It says 5 h 29 min 25 s
